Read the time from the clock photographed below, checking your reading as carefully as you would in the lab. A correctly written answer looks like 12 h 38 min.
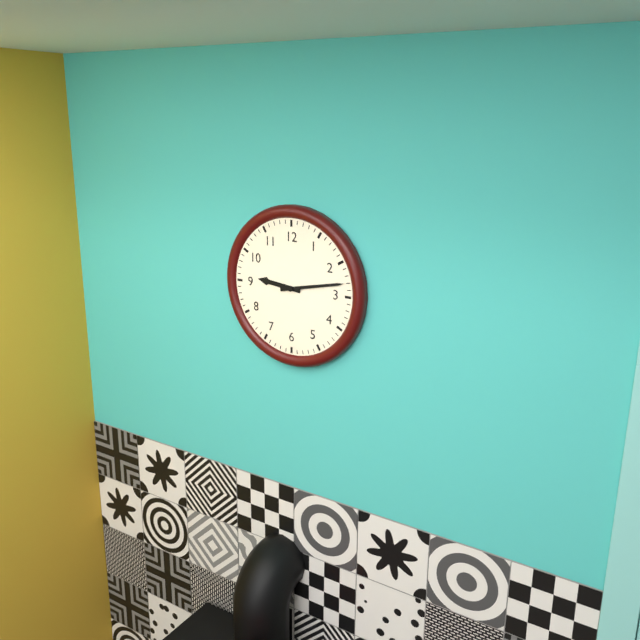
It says 9 h 13 min
